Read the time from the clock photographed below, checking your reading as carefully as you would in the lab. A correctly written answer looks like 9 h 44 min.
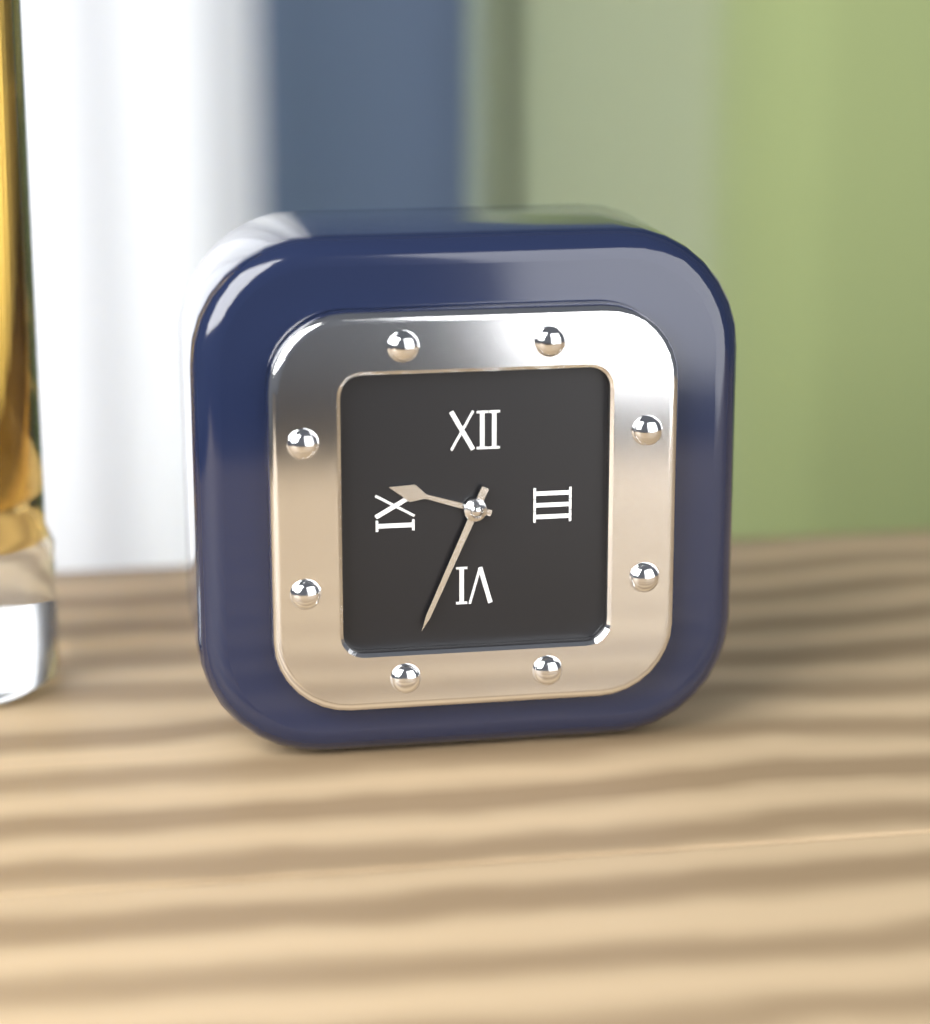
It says 9 h 34 min
